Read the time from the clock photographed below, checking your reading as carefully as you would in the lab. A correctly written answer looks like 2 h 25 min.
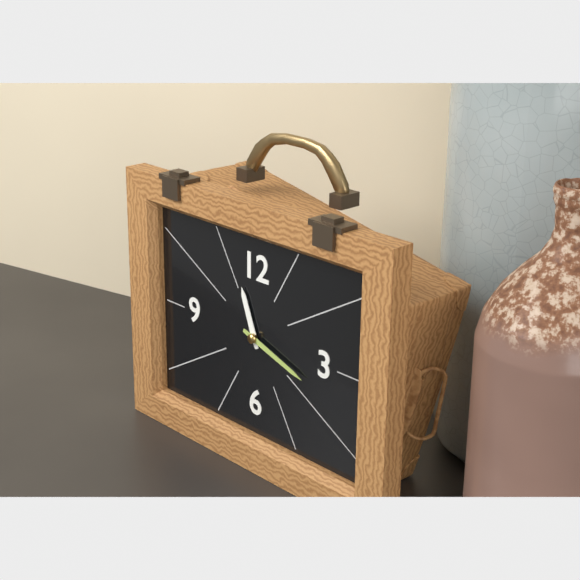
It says 11 h 18 min
